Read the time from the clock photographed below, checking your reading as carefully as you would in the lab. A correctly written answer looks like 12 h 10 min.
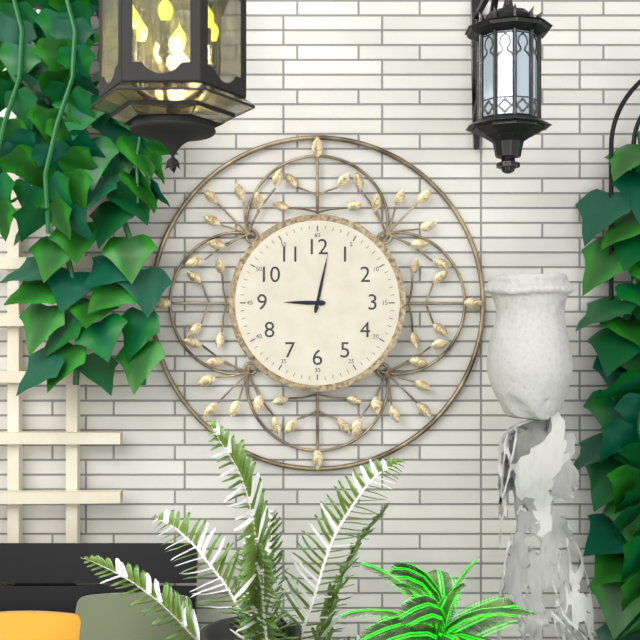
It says 9 h 02 min
